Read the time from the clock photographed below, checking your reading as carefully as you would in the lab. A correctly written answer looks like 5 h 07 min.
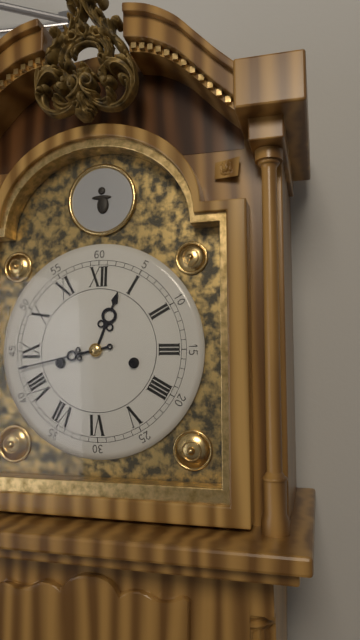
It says 12 h 43 min
